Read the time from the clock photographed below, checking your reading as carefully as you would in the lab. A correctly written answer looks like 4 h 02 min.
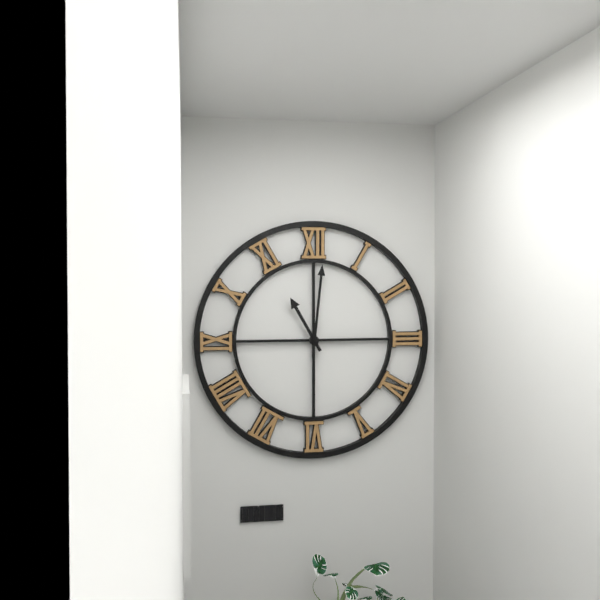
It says 11 h 01 min
